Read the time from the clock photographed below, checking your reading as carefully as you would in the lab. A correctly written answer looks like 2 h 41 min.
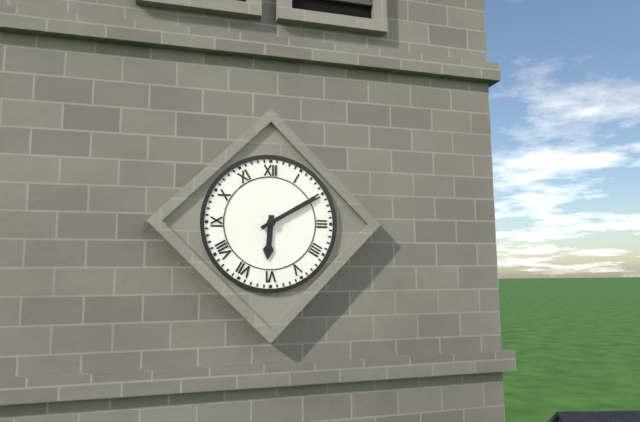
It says 6 h 10 min
